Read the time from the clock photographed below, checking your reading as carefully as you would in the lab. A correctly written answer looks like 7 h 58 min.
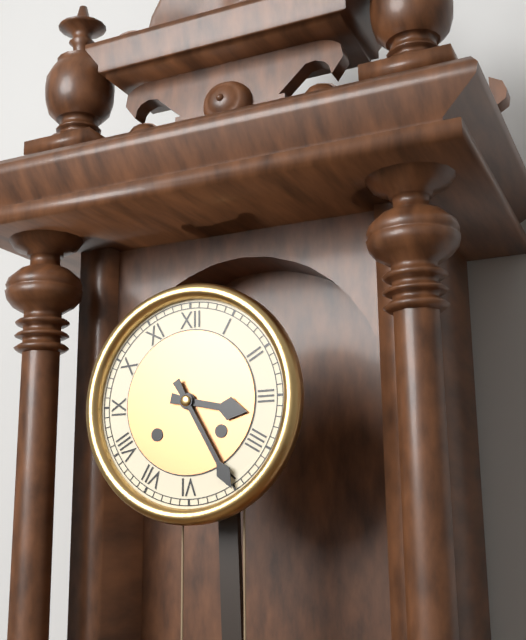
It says 3 h 25 min
